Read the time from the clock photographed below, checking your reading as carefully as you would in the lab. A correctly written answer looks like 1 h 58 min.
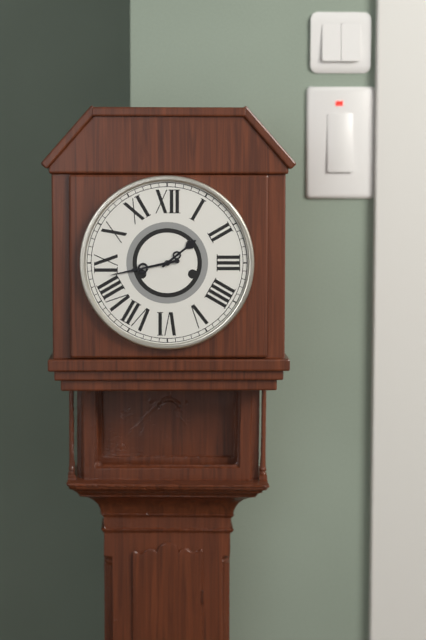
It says 1 h 43 min
